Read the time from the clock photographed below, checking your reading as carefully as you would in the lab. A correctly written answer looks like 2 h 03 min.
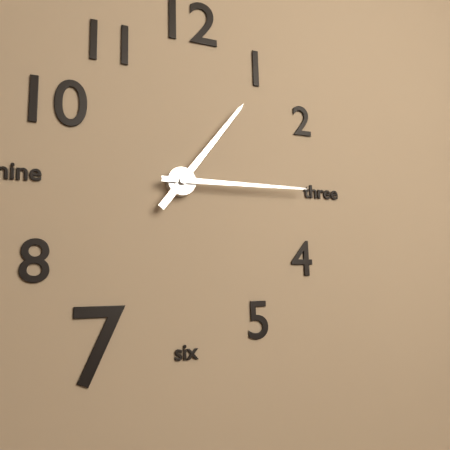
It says 1 h 15 min
